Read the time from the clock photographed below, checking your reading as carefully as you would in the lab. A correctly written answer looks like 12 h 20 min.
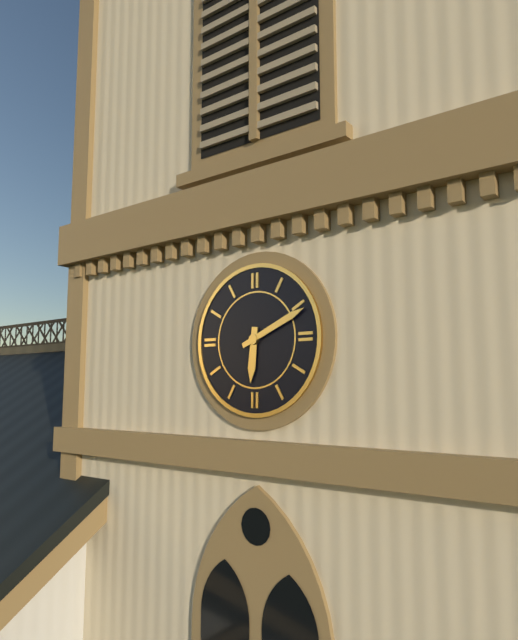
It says 6 h 11 min
